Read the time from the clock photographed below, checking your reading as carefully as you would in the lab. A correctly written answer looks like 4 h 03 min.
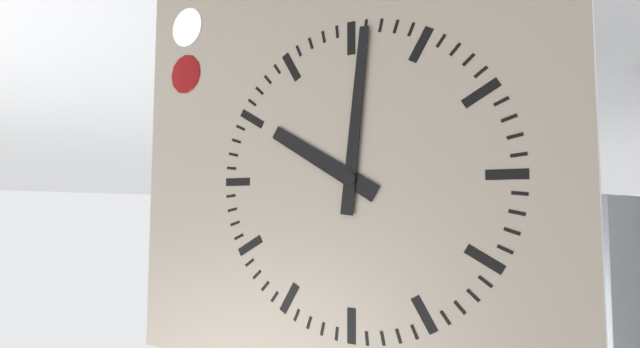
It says 10 h 01 min
